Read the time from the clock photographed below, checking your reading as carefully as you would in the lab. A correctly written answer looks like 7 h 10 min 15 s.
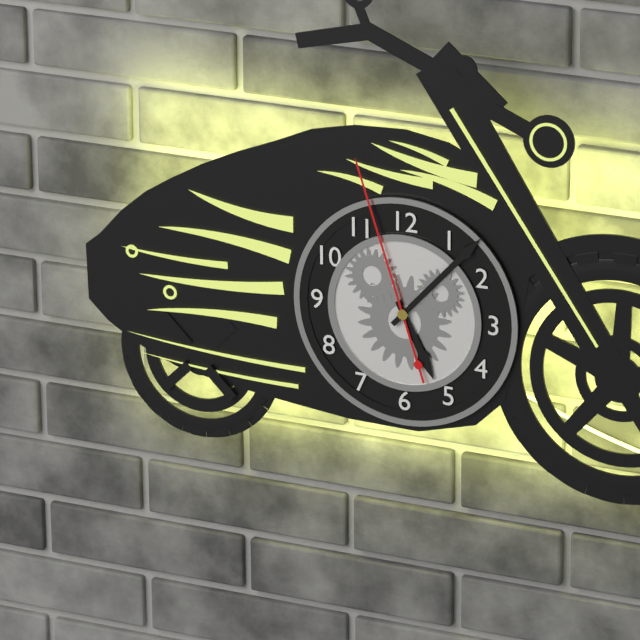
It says 5 h 07 min 57 s
